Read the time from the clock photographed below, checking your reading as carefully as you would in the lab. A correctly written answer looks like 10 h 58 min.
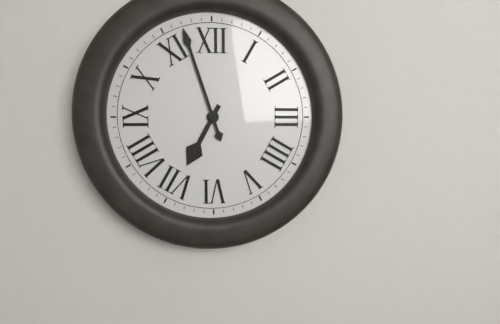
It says 6 h 57 min
